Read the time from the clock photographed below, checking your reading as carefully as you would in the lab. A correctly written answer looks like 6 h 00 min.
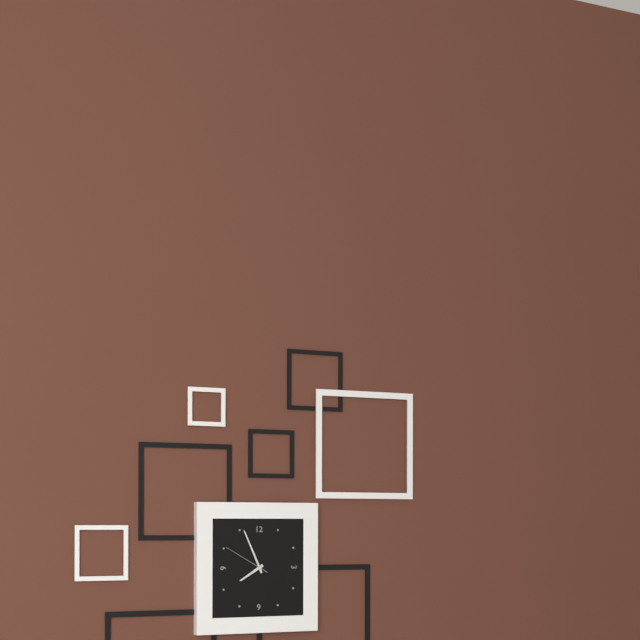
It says 7 h 56 min
